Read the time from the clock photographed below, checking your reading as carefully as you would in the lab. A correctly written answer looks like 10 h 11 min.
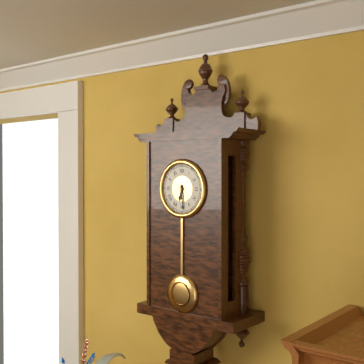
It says 6 h 29 min
